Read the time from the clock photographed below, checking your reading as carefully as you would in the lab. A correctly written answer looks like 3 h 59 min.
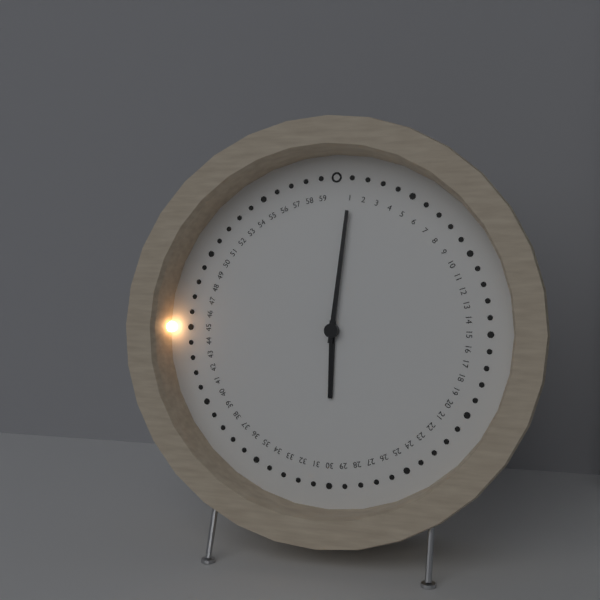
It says 6 h 01 min
